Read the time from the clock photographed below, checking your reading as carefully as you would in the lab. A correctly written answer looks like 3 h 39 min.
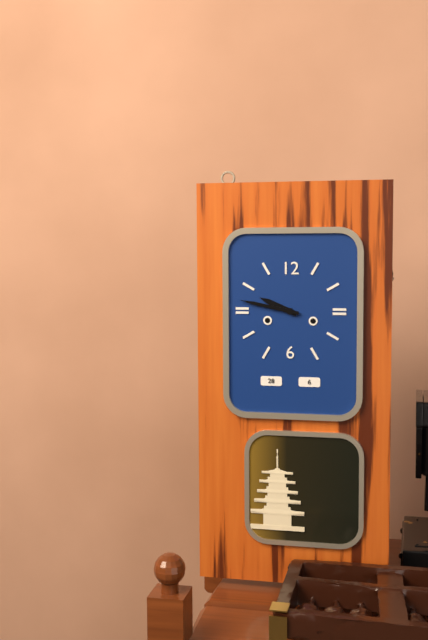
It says 9 h 47 min
